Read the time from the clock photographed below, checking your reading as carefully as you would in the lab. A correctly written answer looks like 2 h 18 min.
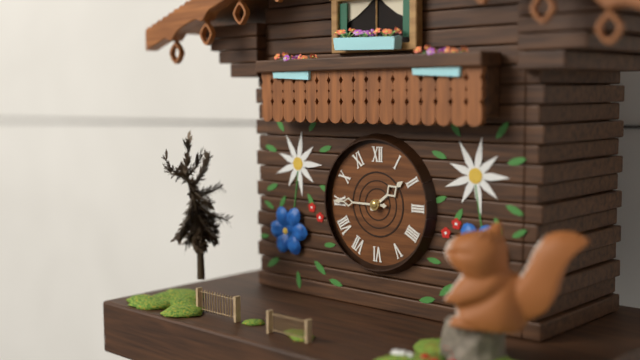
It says 1 h 45 min
